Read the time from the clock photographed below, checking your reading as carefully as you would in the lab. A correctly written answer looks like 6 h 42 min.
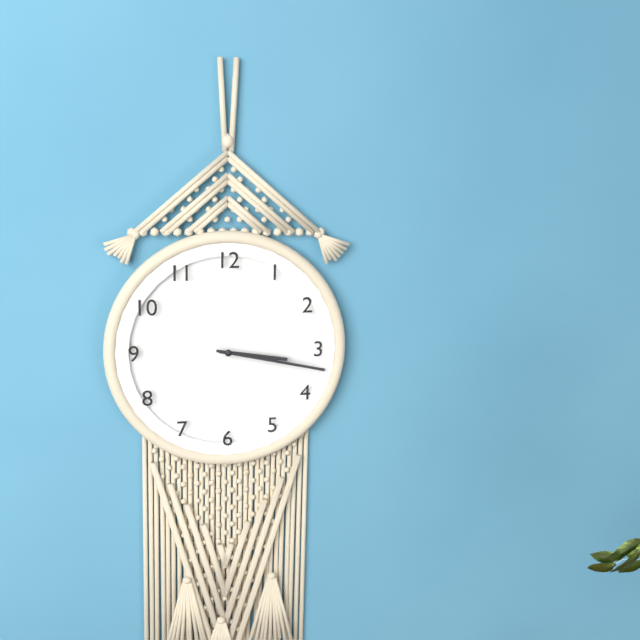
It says 3 h 17 min
